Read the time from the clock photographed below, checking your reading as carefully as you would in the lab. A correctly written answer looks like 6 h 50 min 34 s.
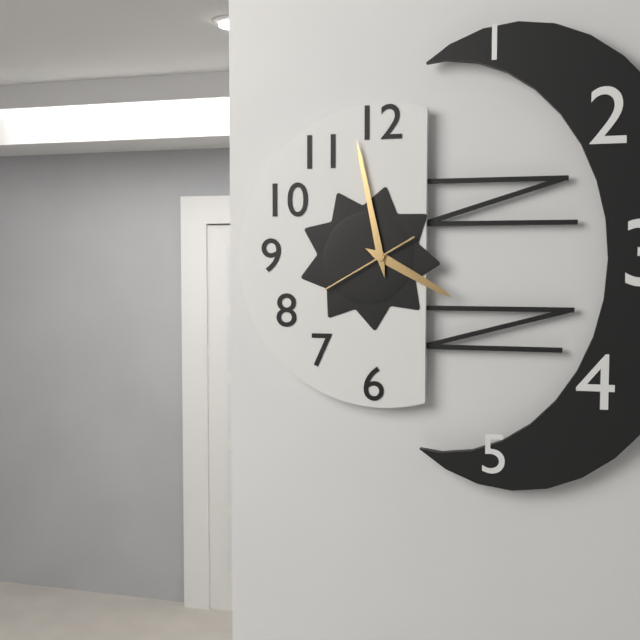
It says 3 h 58 min 40 s
